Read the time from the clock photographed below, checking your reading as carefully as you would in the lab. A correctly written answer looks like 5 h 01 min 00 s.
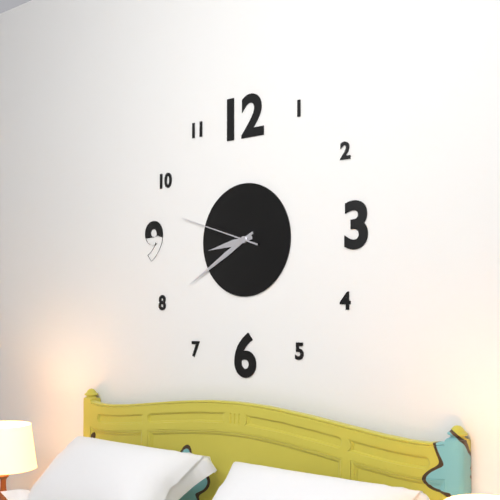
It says 8 h 40 min 48 s
